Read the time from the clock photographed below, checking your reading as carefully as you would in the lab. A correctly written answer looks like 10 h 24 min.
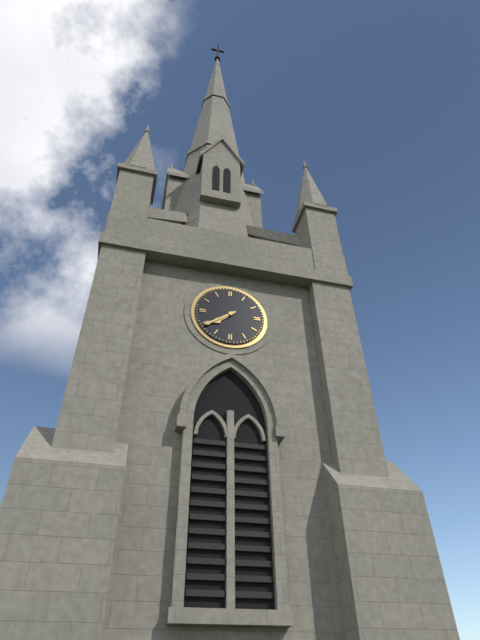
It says 7 h 39 min
